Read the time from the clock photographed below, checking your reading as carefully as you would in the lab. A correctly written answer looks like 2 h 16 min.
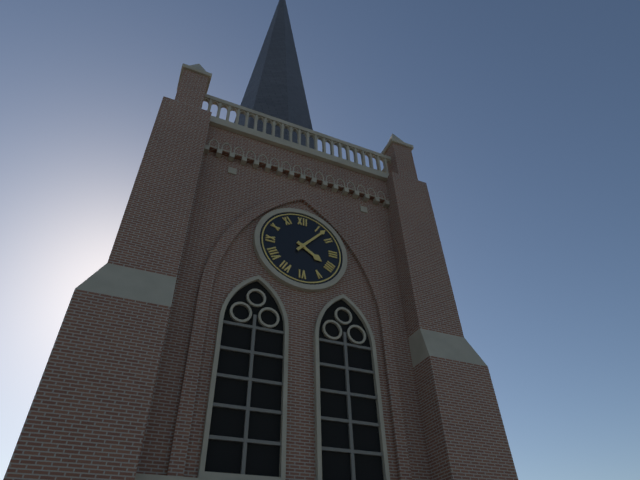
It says 4 h 07 min
